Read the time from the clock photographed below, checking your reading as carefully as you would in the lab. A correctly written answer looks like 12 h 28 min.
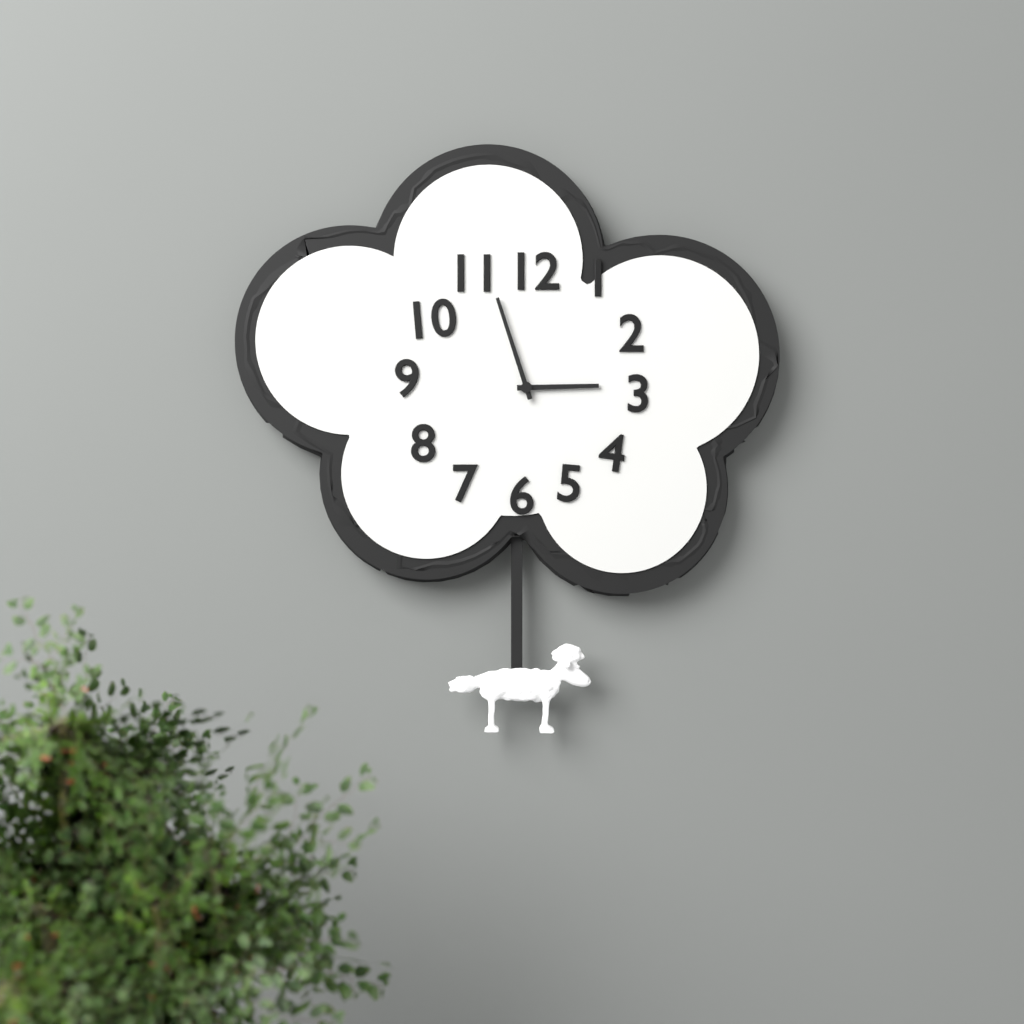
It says 2 h 57 min
